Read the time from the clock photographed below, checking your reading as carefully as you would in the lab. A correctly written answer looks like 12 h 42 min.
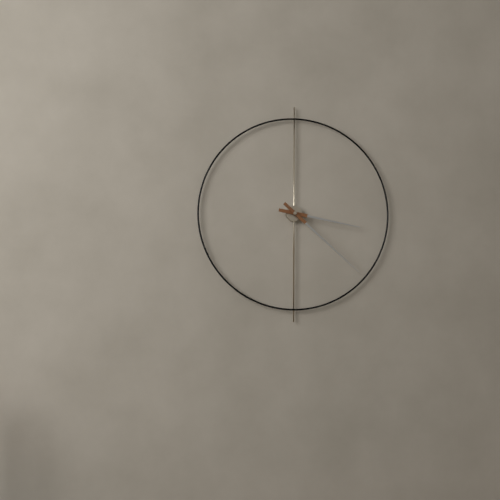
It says 3 h 22 min
